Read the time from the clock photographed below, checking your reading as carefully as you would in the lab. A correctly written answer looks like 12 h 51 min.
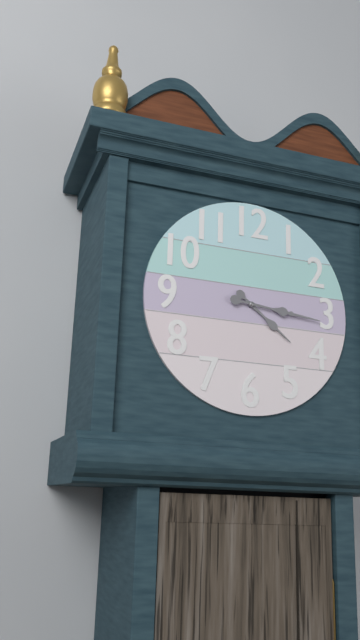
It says 4 h 16 min
